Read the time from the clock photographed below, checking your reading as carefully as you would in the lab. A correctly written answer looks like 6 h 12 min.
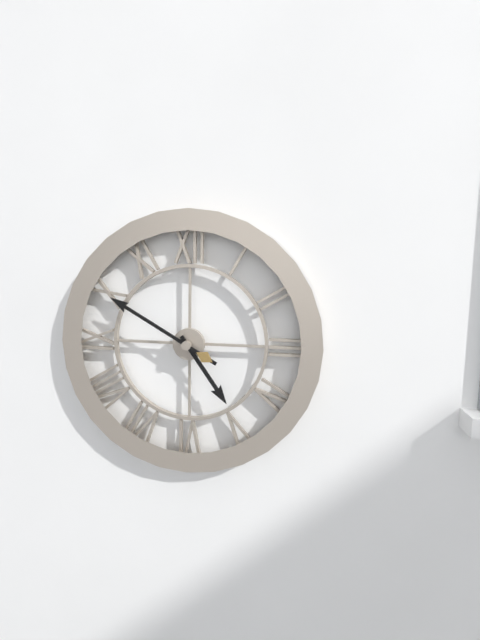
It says 4 h 50 min
